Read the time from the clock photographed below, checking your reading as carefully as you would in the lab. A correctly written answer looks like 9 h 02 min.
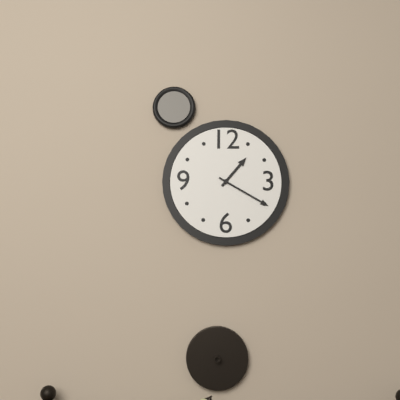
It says 1 h 20 min
